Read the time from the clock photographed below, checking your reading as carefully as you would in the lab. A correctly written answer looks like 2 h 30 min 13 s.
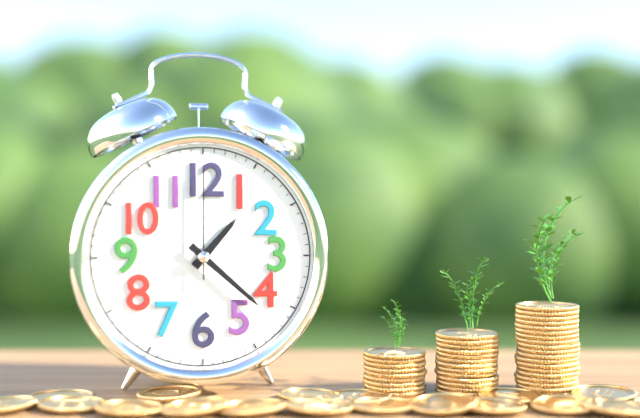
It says 1 h 22 min 00 s
